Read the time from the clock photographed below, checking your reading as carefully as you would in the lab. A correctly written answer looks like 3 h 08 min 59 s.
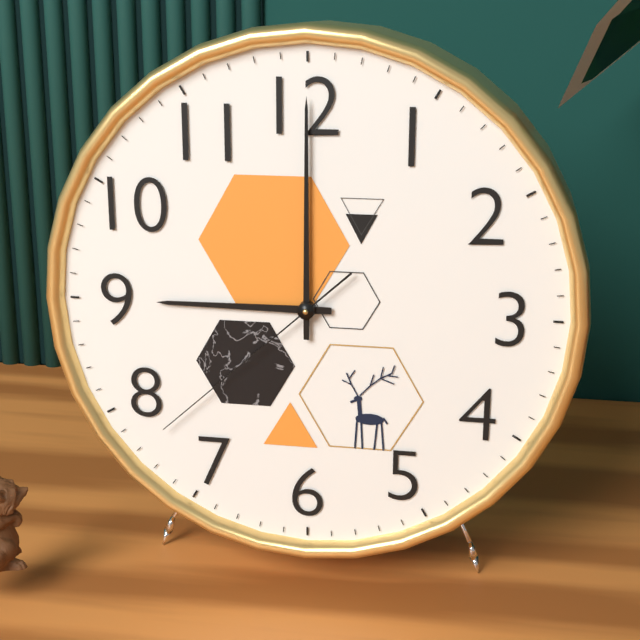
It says 9 h 00 min 38 s
